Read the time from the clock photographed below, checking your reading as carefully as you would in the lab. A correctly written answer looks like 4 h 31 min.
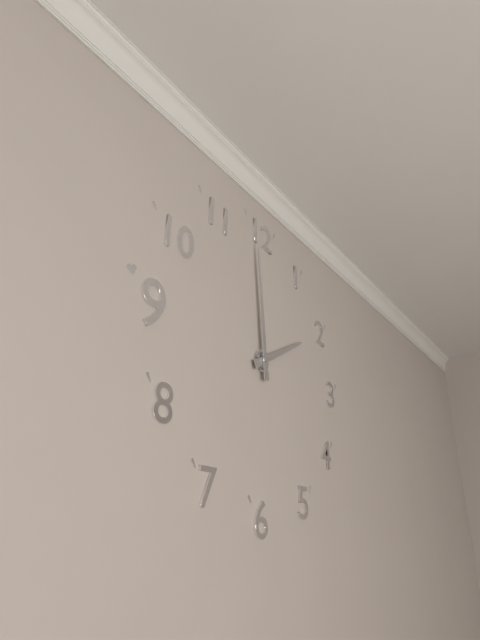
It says 1 h 59 min
